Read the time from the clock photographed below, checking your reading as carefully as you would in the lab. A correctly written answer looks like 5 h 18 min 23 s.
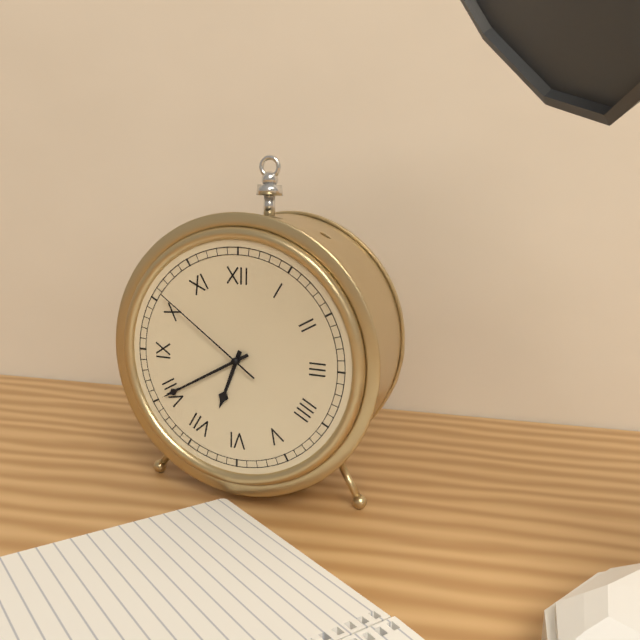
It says 6 h 40 min 51 s
